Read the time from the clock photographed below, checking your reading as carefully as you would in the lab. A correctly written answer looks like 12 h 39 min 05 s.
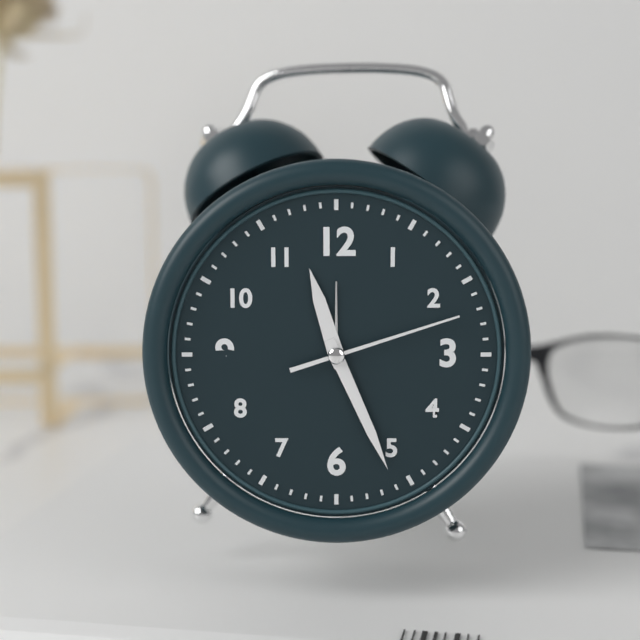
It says 11 h 26 min 12 s
